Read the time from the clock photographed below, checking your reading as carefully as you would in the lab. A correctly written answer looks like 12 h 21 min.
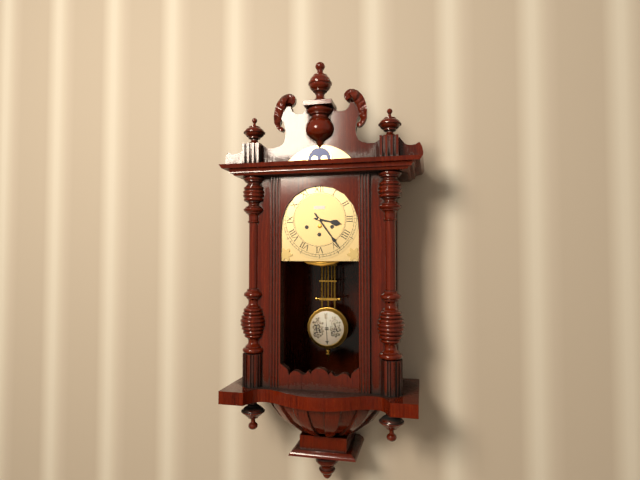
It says 3 h 24 min
